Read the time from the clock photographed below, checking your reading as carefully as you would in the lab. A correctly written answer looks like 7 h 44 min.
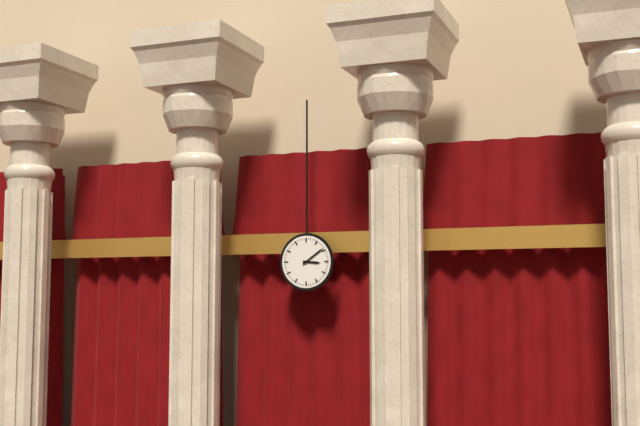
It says 3 h 09 min
